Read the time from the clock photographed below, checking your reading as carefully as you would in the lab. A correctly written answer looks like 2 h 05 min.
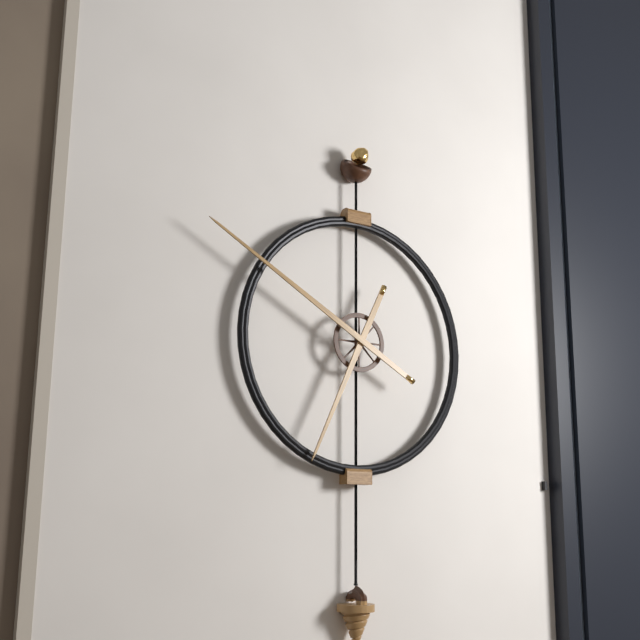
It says 6 h 50 min
